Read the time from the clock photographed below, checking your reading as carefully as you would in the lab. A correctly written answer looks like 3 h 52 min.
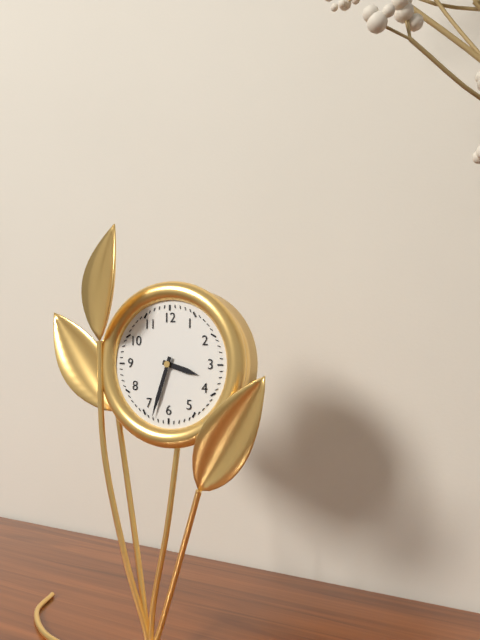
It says 3 h 33 min
